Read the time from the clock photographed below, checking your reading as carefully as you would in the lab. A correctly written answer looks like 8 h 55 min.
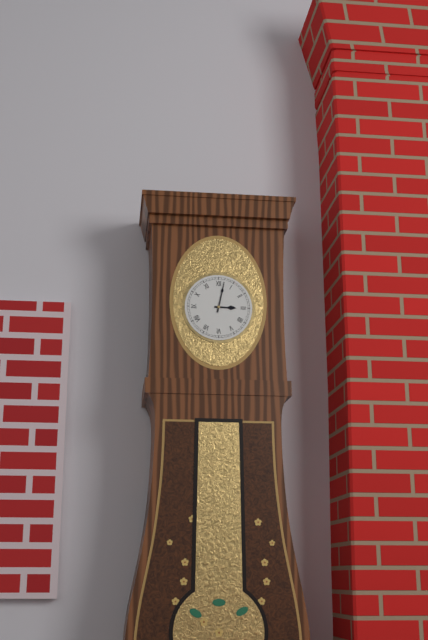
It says 3 h 02 min
